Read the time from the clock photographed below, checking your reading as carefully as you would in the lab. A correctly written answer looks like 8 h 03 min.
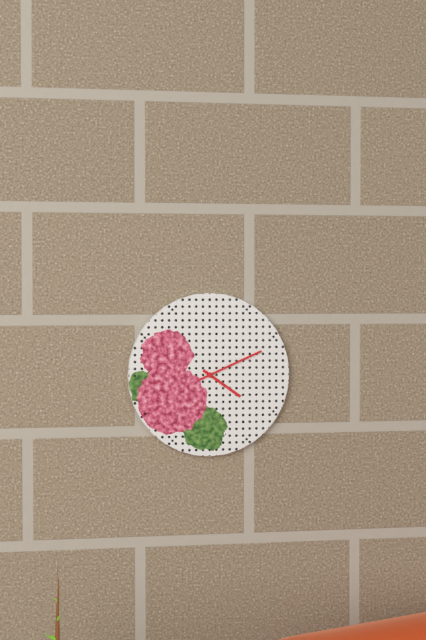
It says 4 h 11 min
